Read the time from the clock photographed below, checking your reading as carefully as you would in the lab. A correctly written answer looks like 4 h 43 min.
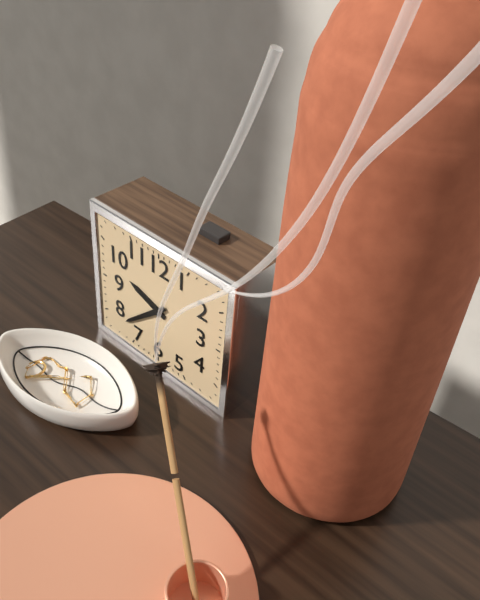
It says 9 h 38 min
